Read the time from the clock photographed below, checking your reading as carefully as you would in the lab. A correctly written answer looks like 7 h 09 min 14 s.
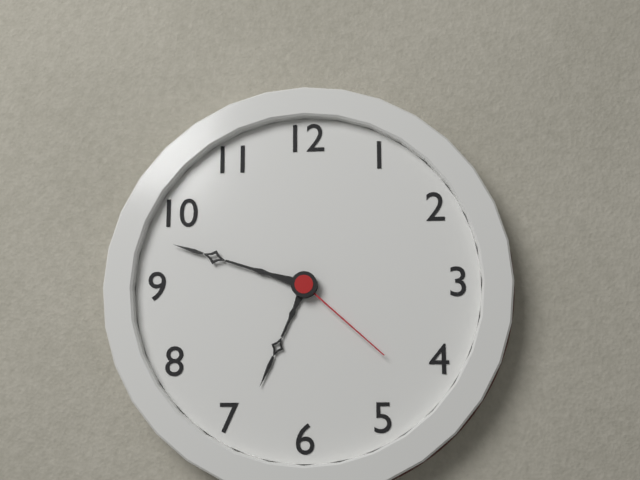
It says 6 h 48 min 22 s
